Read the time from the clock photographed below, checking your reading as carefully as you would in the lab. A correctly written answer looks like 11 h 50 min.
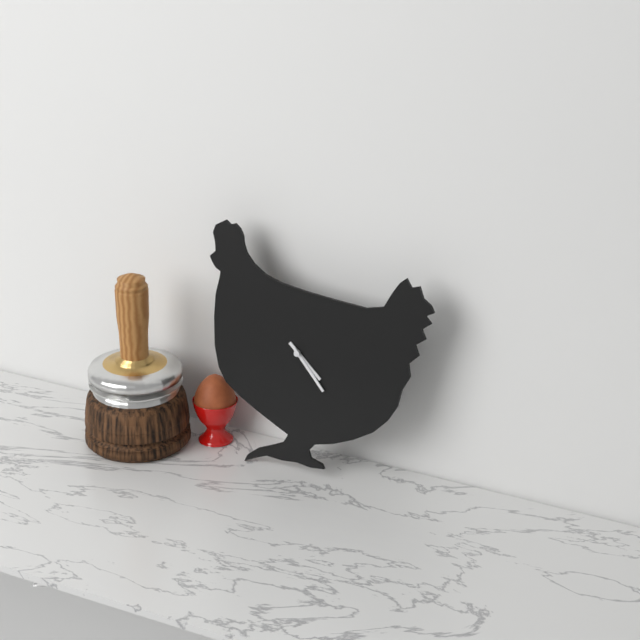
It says 4 h 23 min
